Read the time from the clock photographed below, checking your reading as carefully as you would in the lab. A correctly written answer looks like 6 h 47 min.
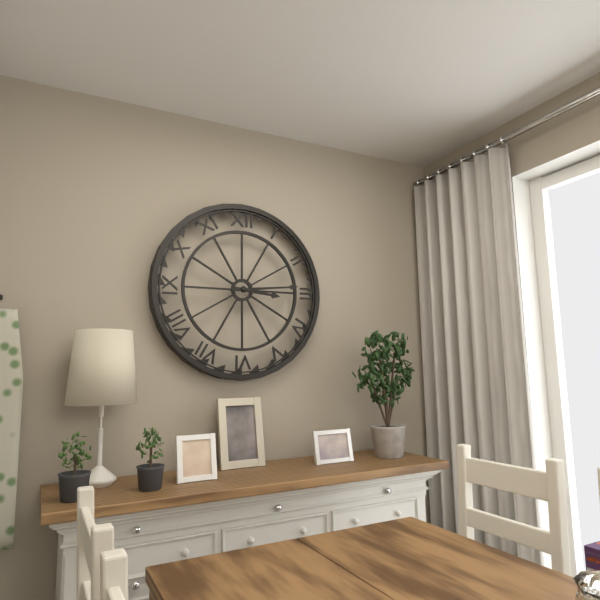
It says 3 h 14 min
